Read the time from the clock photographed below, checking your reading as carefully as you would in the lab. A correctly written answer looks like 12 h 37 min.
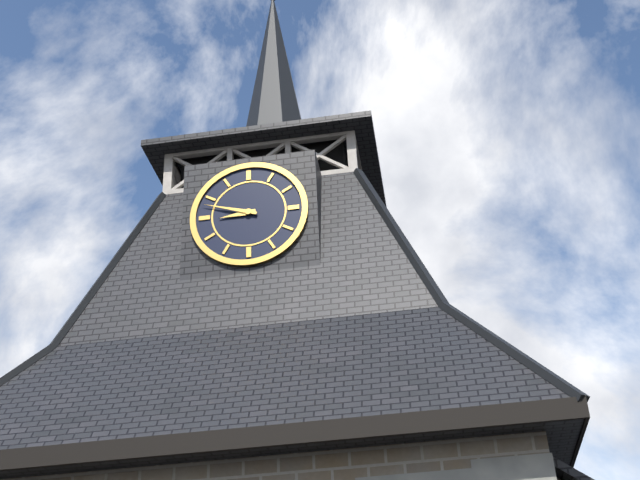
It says 8 h 48 min
